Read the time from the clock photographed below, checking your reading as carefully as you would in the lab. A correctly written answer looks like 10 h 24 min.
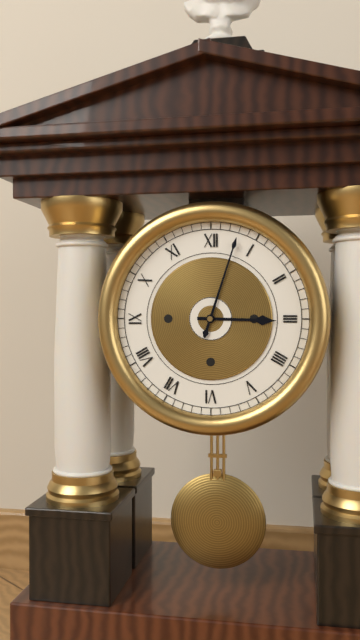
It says 3 h 03 min
